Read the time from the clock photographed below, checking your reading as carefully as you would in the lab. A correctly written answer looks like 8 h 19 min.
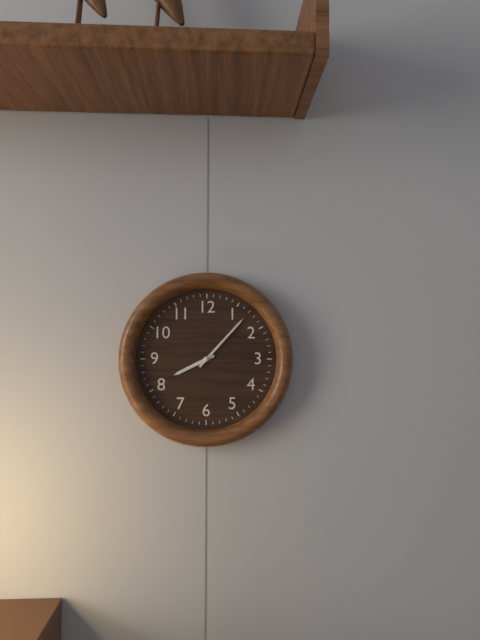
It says 8 h 07 min
